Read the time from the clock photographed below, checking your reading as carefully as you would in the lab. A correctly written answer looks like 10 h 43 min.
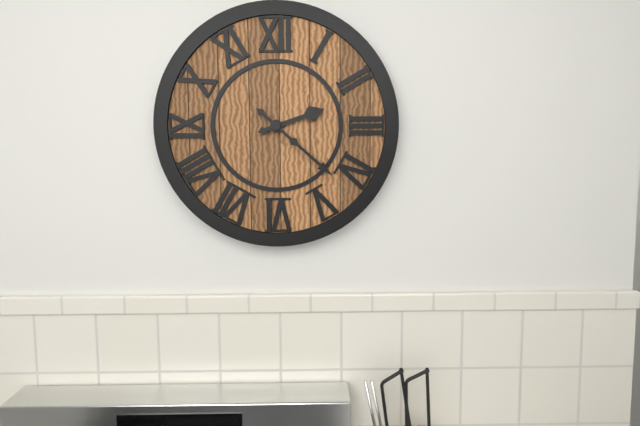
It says 2 h 22 min
